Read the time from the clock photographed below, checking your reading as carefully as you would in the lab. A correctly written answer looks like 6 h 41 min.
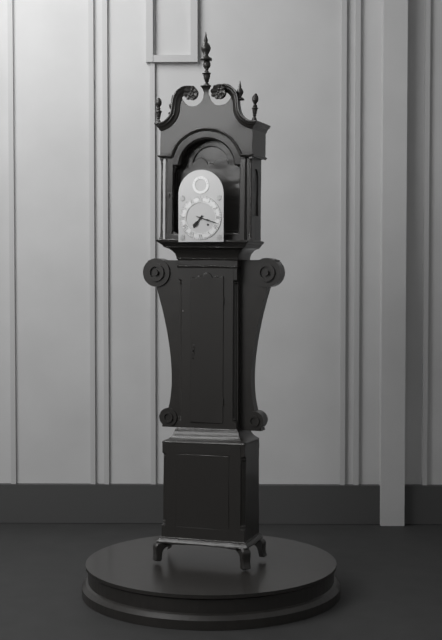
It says 7 h 18 min
